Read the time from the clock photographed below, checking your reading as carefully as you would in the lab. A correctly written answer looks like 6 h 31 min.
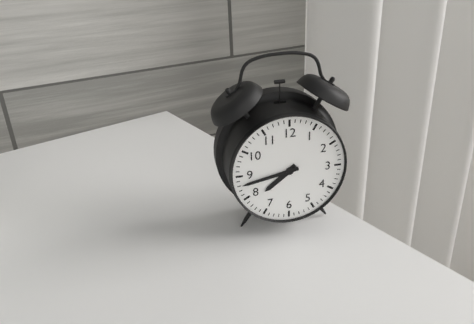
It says 7 h 43 min
